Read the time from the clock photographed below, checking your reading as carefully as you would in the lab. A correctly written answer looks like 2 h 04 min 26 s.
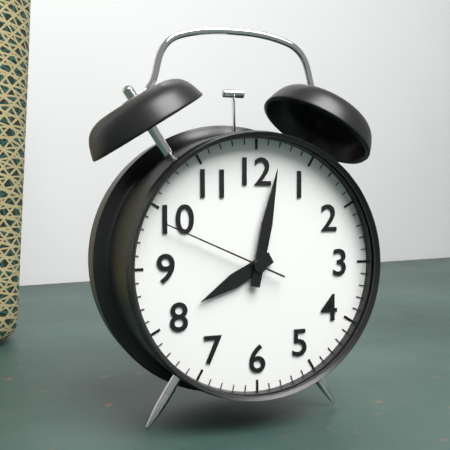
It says 8 h 02 min 49 s
